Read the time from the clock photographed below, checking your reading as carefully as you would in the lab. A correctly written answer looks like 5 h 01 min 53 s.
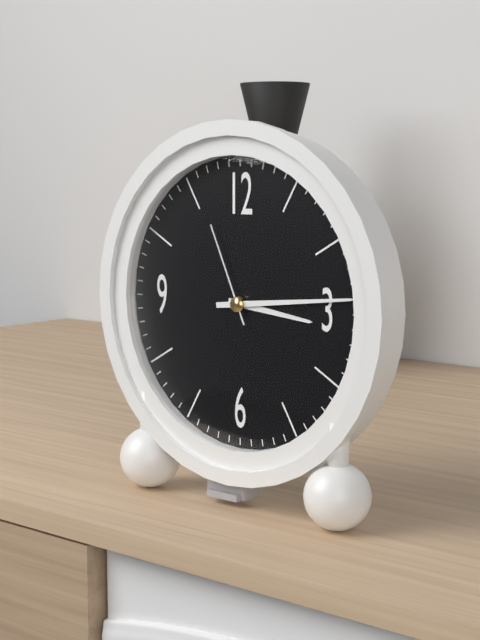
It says 3 h 14 min 56 s
